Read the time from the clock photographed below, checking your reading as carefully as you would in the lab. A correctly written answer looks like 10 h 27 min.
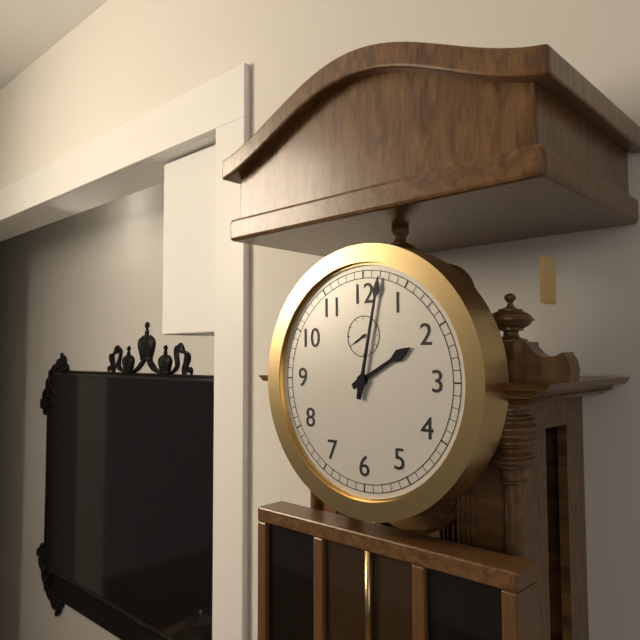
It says 2 h 02 min
